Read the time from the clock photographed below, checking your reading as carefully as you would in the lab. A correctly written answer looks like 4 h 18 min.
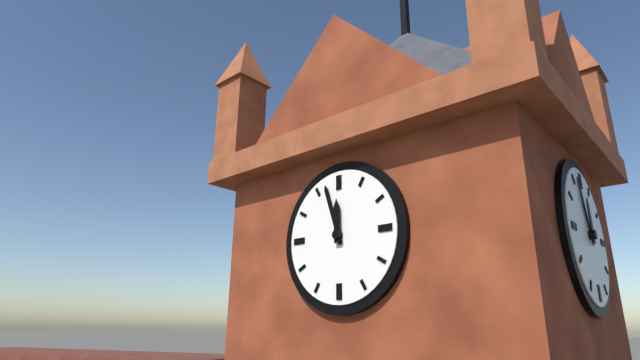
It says 11 h 57 min
